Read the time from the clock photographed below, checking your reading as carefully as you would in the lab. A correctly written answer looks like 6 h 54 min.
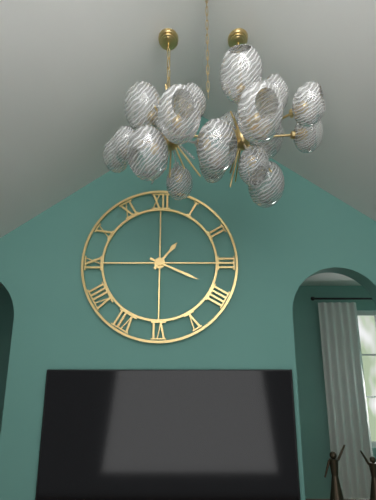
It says 1 h 19 min
